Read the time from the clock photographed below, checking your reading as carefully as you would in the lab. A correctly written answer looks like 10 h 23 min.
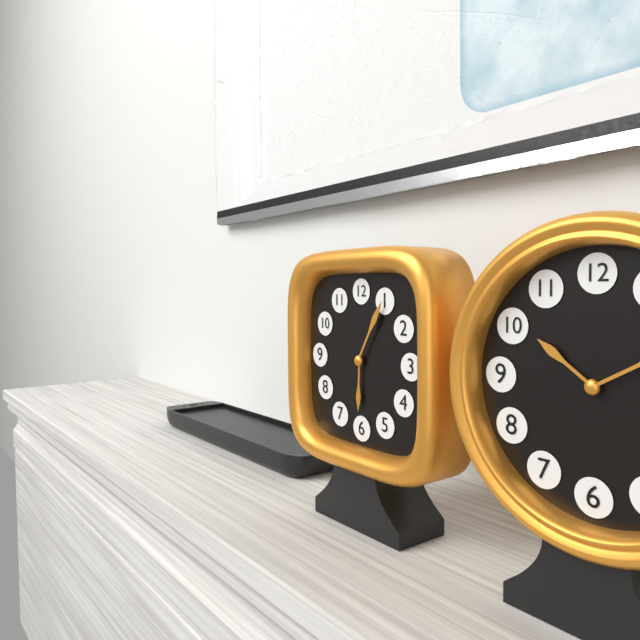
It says 6 h 05 min
